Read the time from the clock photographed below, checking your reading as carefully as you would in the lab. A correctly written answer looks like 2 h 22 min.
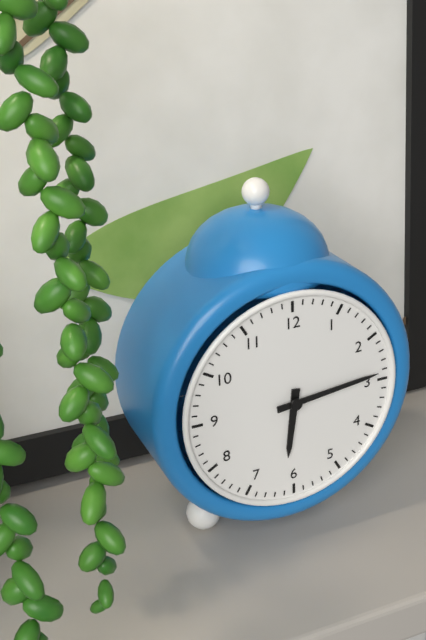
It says 6 h 14 min
